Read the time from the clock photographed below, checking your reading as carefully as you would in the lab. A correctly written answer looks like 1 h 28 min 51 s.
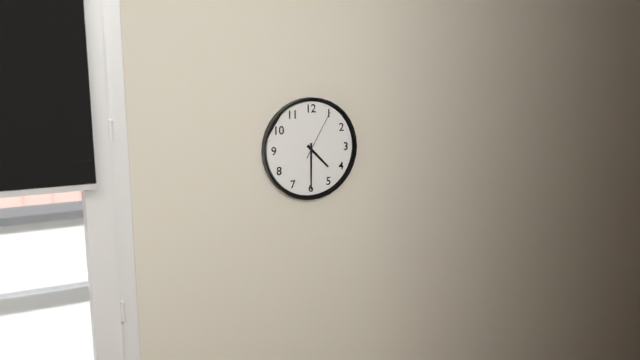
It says 4 h 30 min 05 s
